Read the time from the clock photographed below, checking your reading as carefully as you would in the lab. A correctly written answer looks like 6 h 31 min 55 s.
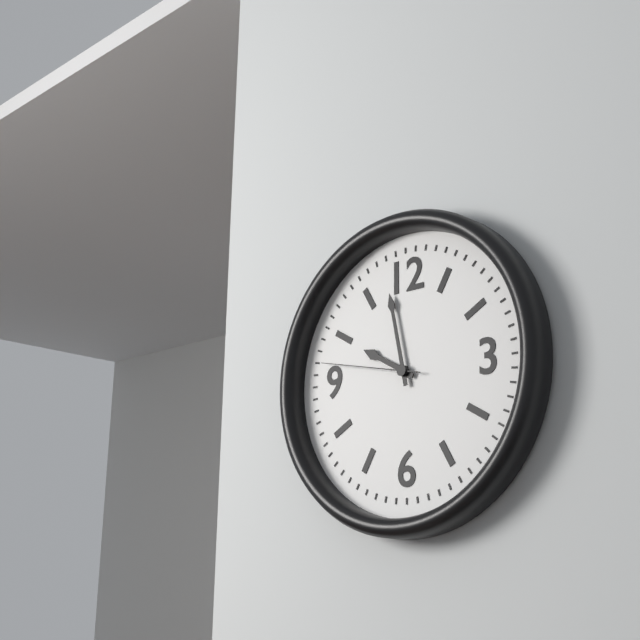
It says 9 h 58 min 47 s
